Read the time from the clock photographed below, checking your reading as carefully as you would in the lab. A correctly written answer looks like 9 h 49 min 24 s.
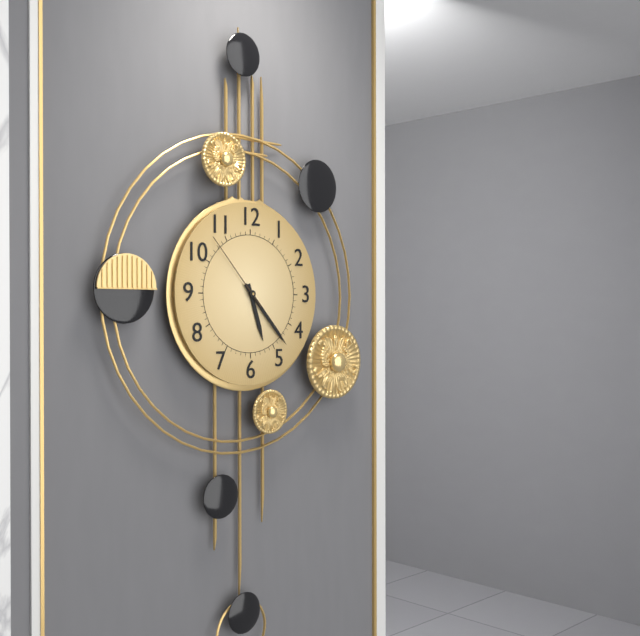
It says 5 h 23 min 53 s
